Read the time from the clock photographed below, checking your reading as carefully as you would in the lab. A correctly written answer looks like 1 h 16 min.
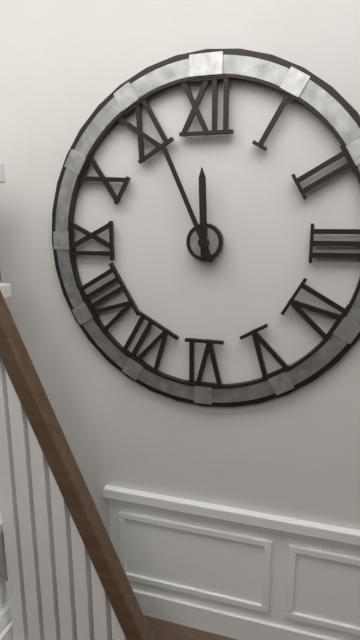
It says 11 h 56 min
